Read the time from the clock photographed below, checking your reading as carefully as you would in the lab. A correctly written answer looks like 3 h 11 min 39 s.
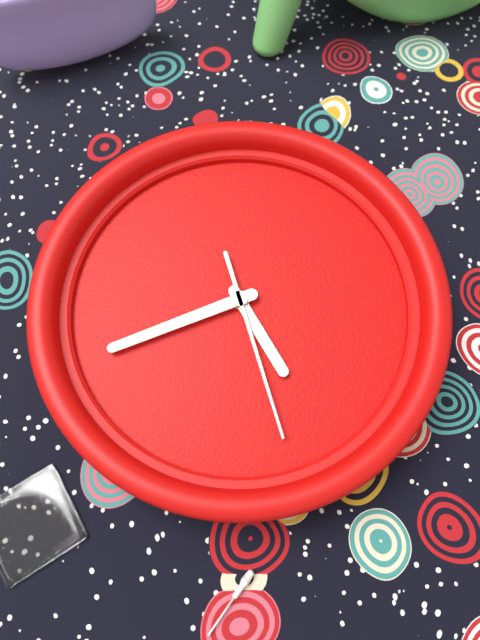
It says 5 h 45 min 31 s
